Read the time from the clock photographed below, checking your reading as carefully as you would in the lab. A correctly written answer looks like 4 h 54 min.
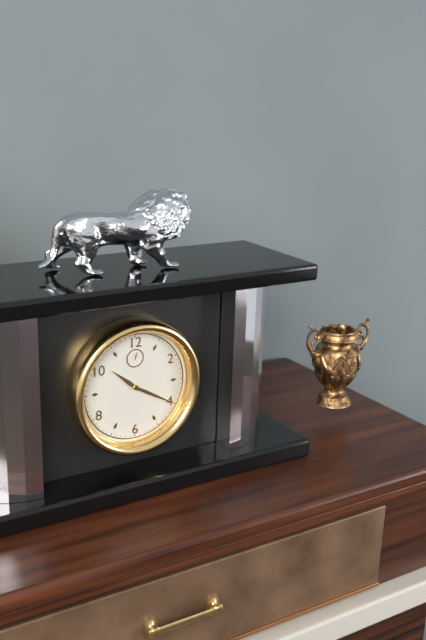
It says 10 h 20 min
